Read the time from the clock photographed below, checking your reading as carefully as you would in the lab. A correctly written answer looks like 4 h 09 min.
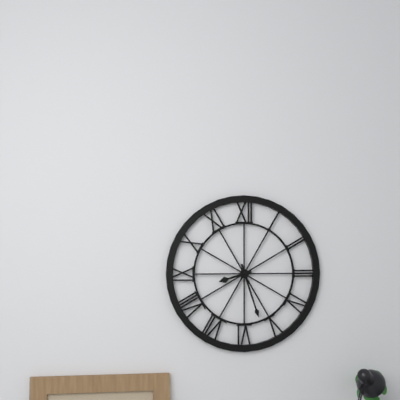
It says 8 h 27 min
